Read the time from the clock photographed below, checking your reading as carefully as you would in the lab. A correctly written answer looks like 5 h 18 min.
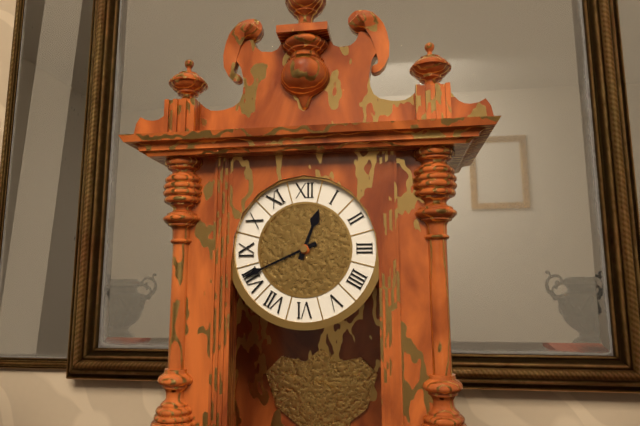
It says 12 h 41 min
